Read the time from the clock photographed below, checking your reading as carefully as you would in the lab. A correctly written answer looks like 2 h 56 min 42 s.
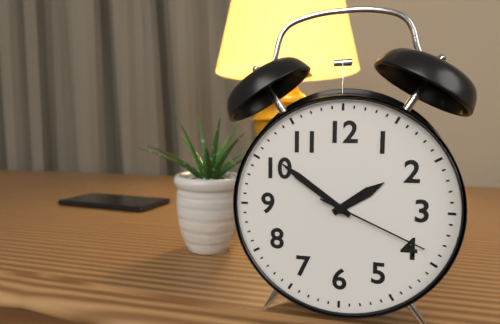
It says 1 h 51 min 19 s
